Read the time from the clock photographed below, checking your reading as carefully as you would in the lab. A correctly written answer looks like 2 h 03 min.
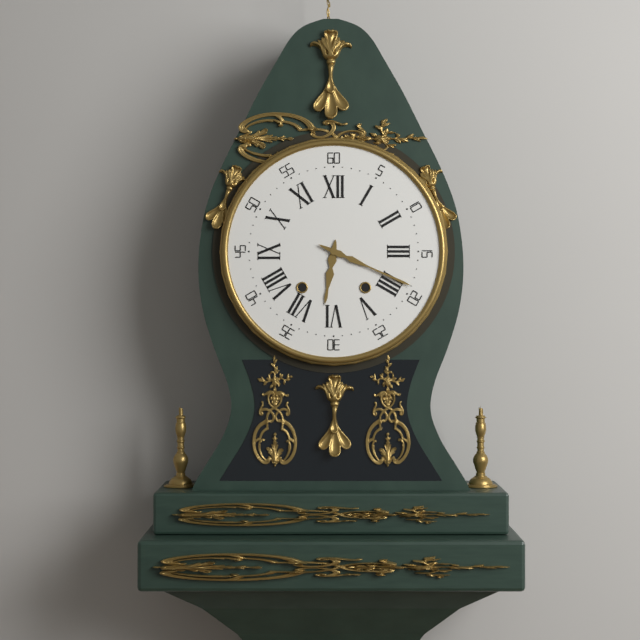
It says 6 h 19 min
